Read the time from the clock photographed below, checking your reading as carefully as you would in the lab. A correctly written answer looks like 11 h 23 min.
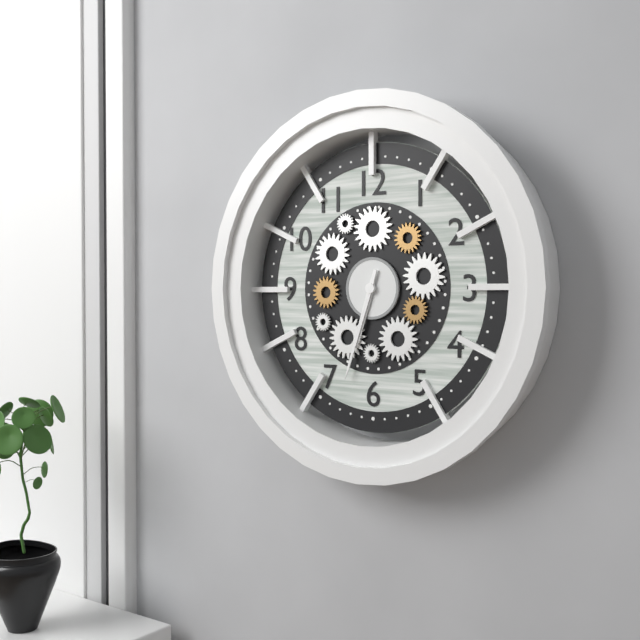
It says 6 h 33 min
